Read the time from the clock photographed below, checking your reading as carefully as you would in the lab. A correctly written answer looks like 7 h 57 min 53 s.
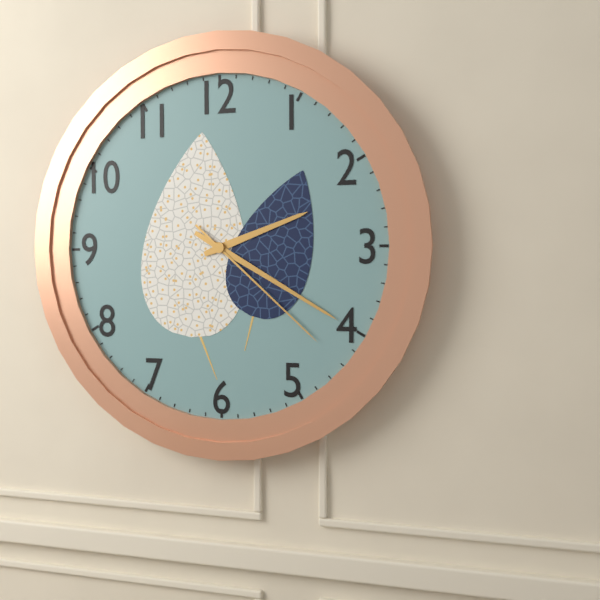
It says 2 h 20 min 22 s
